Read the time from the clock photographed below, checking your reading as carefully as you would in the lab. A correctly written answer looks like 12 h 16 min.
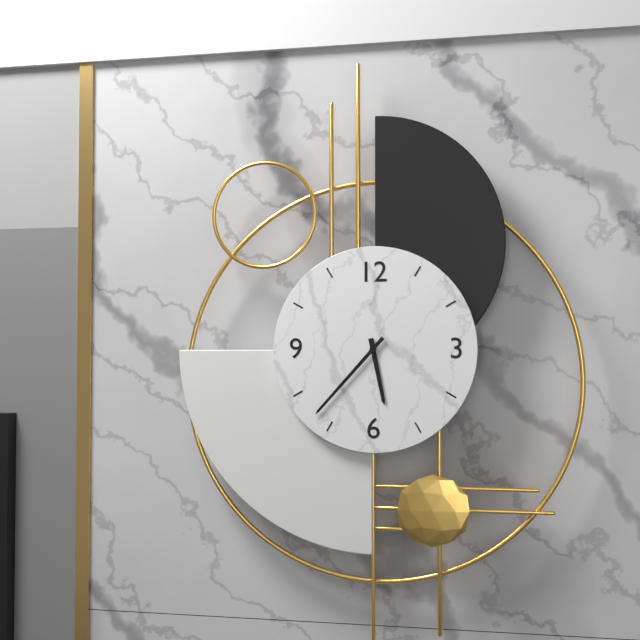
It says 5 h 37 min
